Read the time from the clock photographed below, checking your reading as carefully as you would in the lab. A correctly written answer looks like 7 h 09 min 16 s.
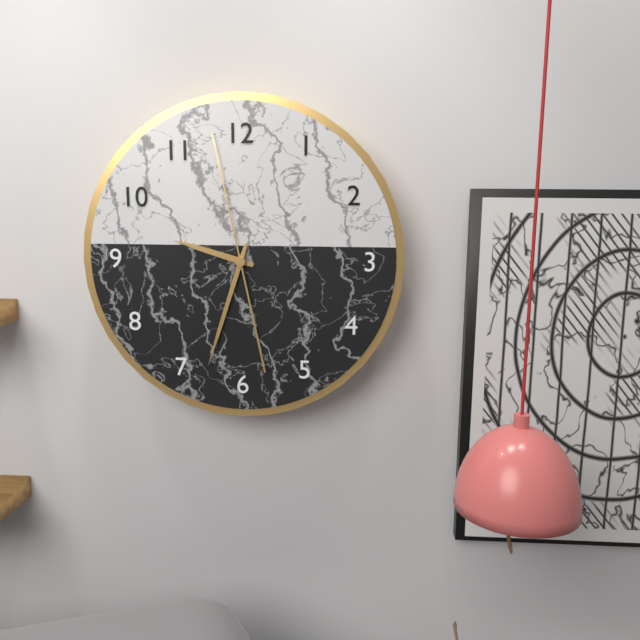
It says 9 h 33 min 58 s
